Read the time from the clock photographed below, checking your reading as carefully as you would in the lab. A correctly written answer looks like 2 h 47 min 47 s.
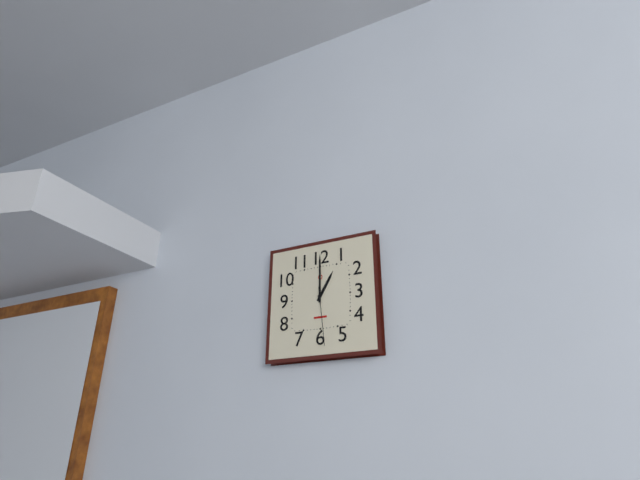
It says 1 h 00 min 29 s
